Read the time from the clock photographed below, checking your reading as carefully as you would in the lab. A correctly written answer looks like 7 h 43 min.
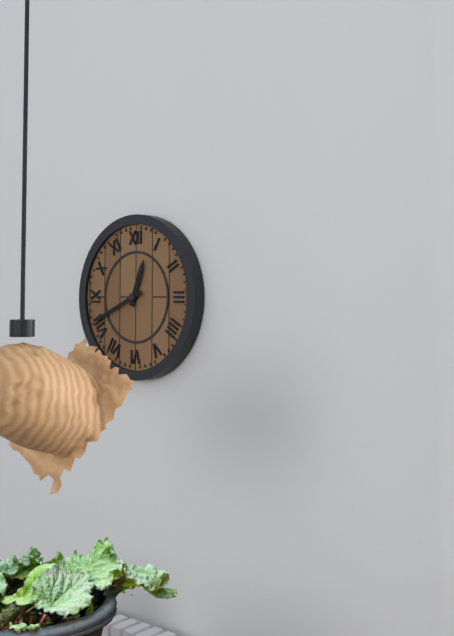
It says 12 h 41 min
